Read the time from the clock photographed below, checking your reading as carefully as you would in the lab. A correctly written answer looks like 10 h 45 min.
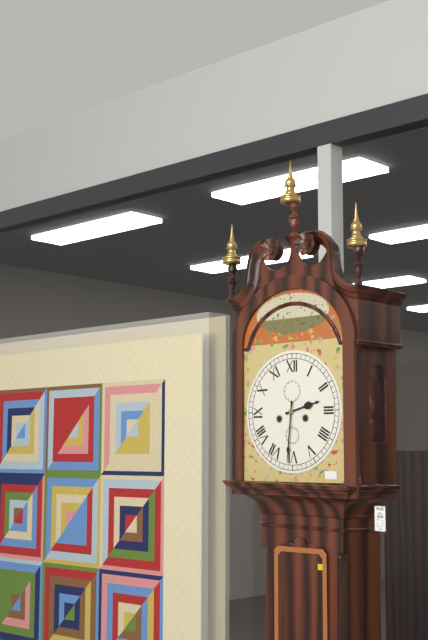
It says 2 h 31 min
